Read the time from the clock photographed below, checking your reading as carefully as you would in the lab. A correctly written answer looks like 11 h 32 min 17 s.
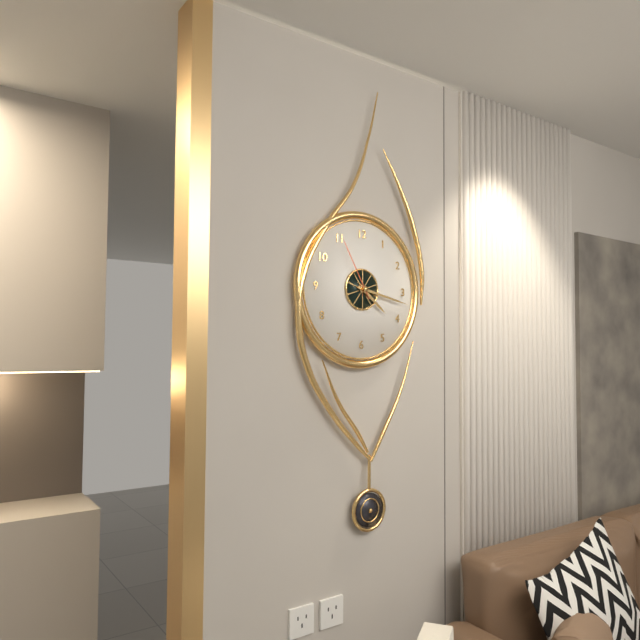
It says 4 h 17 min 55 s
